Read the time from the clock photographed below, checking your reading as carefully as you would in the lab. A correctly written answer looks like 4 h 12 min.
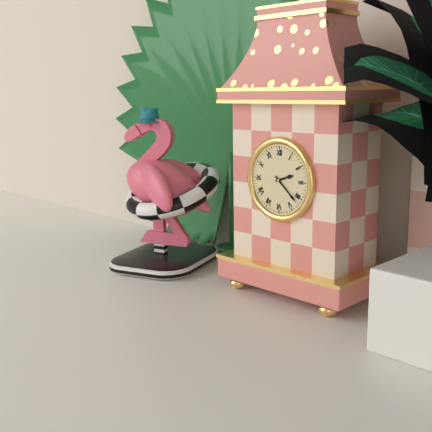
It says 2 h 22 min
